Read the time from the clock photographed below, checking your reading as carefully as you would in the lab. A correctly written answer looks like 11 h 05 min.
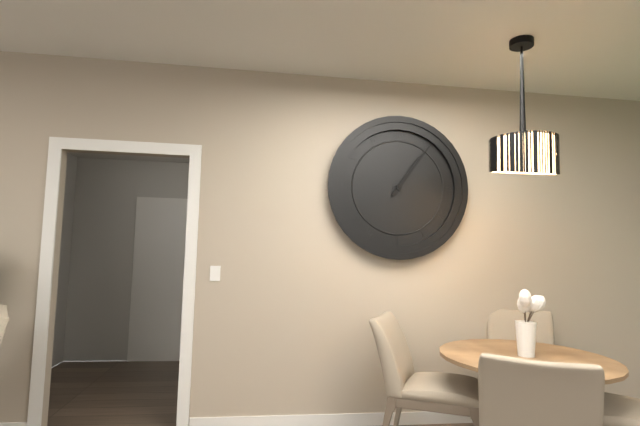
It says 1 h 06 min
